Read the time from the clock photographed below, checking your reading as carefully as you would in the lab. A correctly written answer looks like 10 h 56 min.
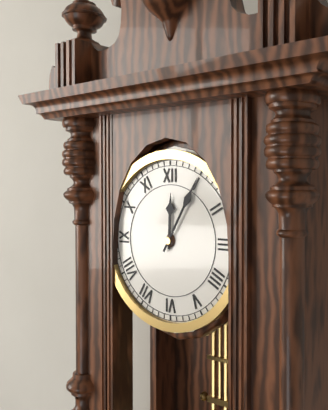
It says 12 h 05 min
